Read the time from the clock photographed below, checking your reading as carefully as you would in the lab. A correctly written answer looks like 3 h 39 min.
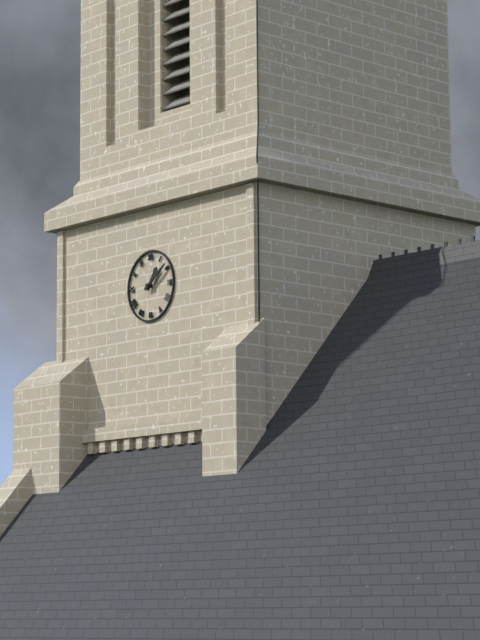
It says 1 h 09 min
